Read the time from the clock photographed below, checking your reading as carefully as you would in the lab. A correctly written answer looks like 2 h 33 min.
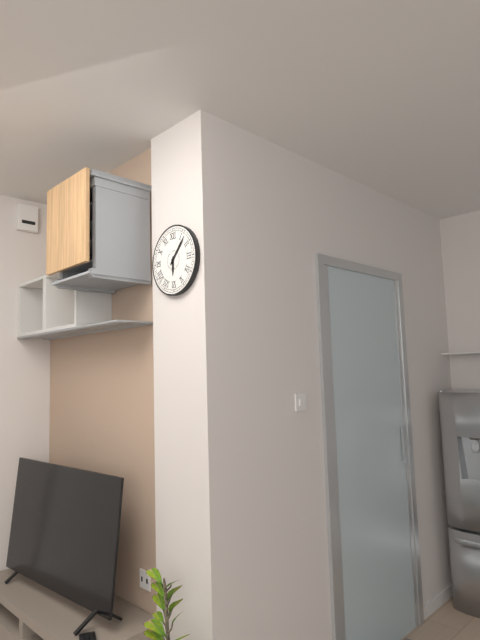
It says 6 h 07 min
